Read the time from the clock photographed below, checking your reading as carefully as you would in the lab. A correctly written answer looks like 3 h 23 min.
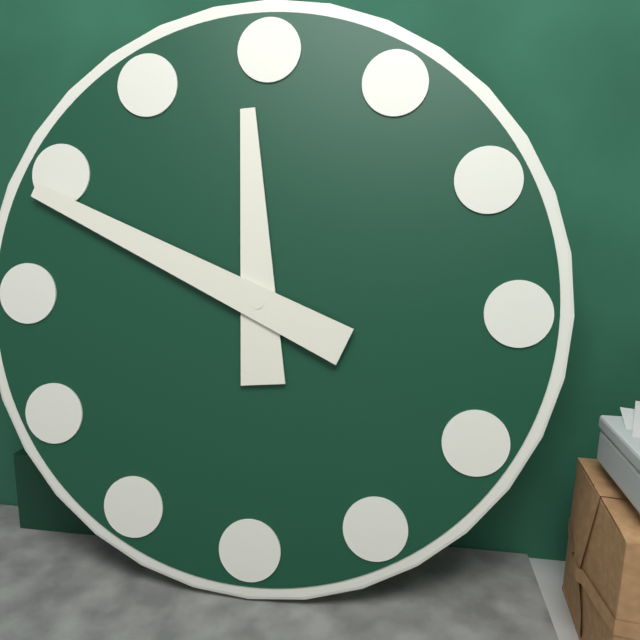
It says 11 h 49 min
